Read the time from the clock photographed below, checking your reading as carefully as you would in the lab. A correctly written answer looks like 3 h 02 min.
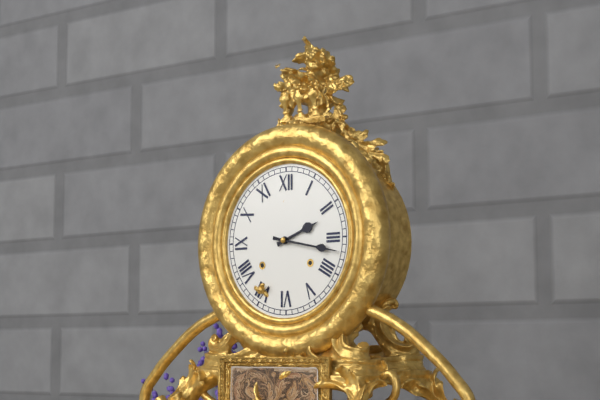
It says 2 h 17 min
